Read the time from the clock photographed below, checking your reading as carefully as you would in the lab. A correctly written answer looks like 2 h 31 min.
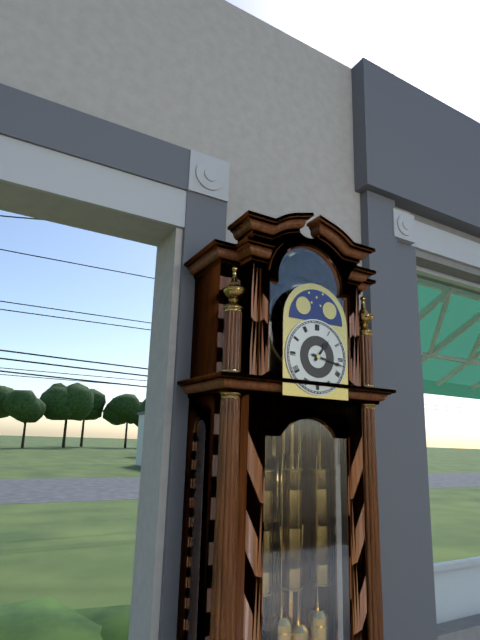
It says 1 h 17 min
